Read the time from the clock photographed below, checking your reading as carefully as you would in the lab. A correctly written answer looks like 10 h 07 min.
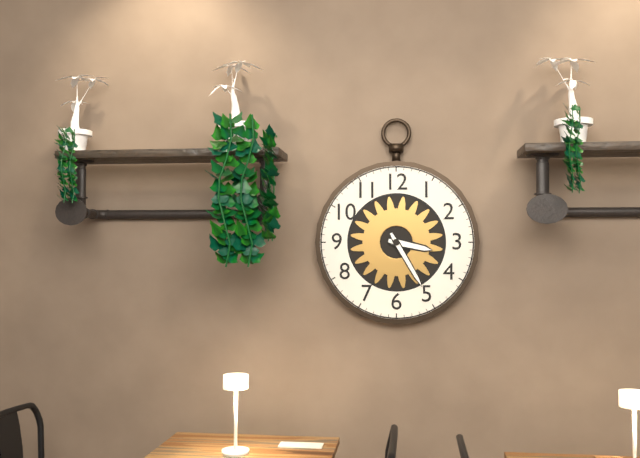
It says 3 h 25 min
